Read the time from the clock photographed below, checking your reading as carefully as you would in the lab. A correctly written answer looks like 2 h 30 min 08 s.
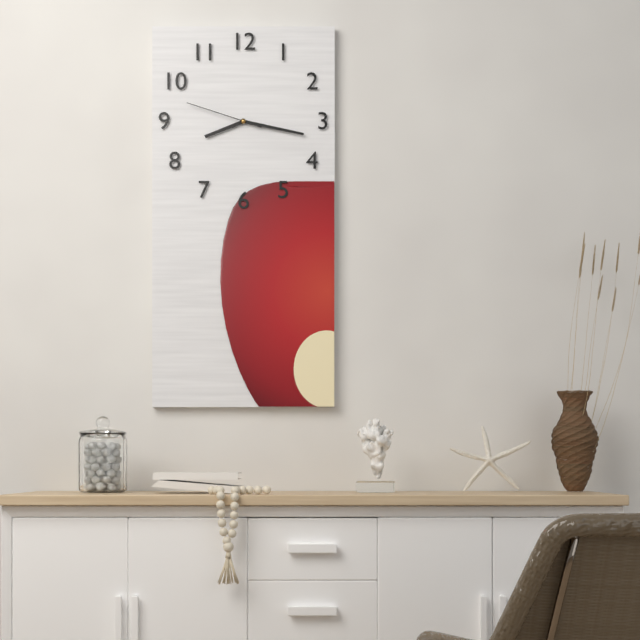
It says 8 h 17 min 48 s
